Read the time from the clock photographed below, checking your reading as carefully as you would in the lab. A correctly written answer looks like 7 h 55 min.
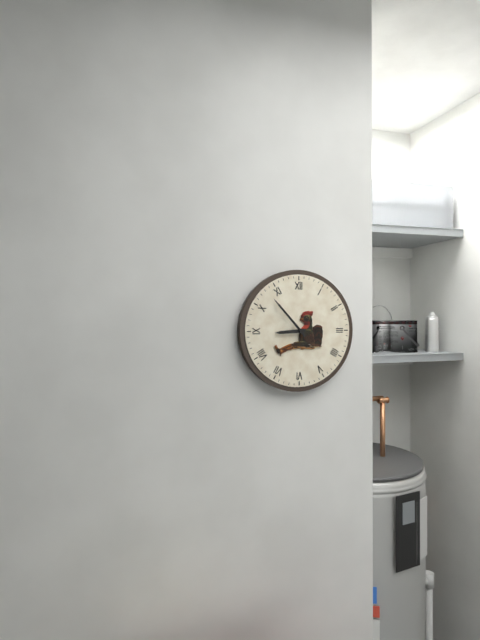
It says 8 h 53 min
